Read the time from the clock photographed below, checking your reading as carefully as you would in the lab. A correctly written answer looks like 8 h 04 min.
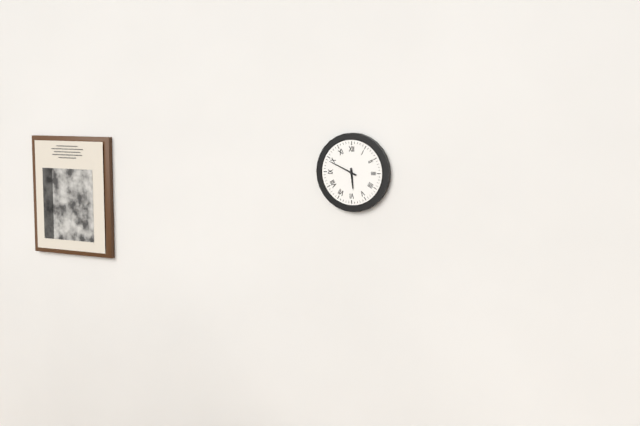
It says 5 h 49 min
